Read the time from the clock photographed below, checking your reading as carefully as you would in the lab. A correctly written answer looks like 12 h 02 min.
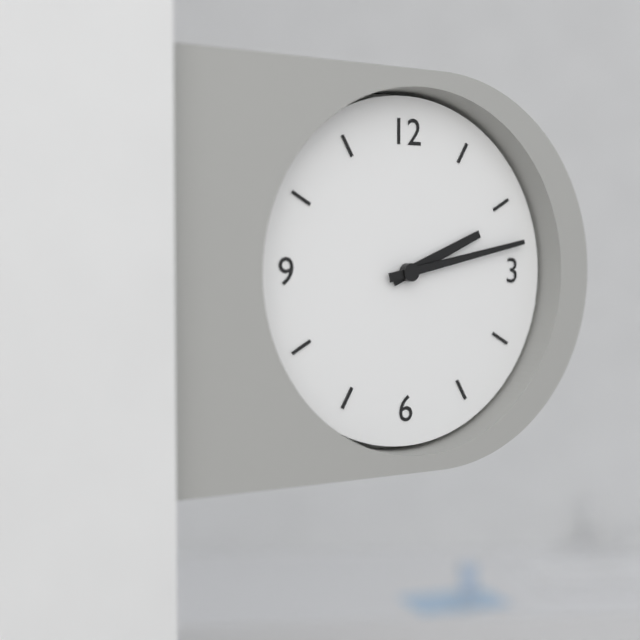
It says 2 h 13 min
